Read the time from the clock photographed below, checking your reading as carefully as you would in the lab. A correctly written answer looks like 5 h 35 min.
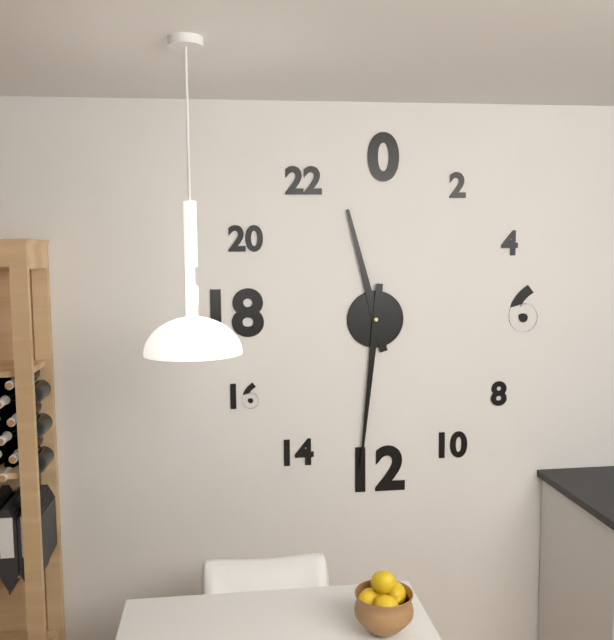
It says 11 h 31 min
